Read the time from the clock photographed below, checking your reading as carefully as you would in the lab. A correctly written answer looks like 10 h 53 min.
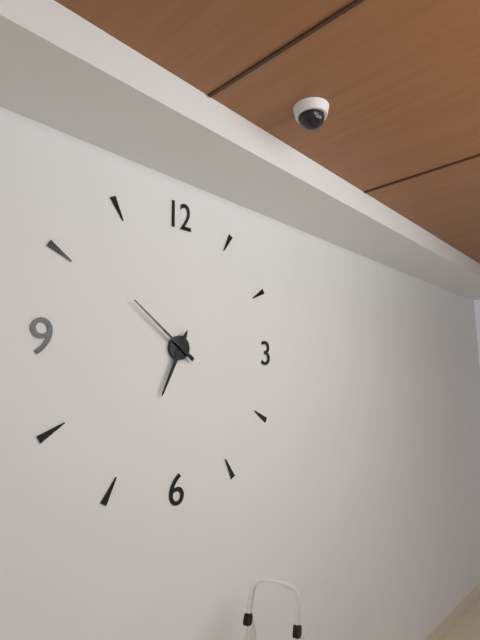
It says 6 h 51 min
